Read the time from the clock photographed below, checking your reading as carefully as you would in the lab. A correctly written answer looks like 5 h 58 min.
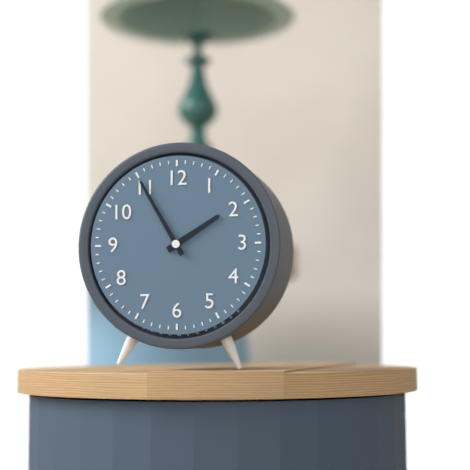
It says 1 h 55 min
